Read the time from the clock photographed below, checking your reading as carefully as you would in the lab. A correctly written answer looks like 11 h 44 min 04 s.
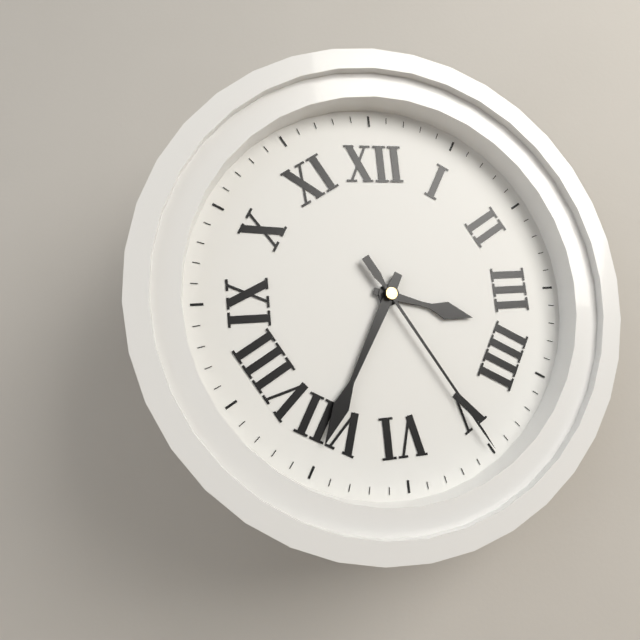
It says 3 h 35 min 25 s
